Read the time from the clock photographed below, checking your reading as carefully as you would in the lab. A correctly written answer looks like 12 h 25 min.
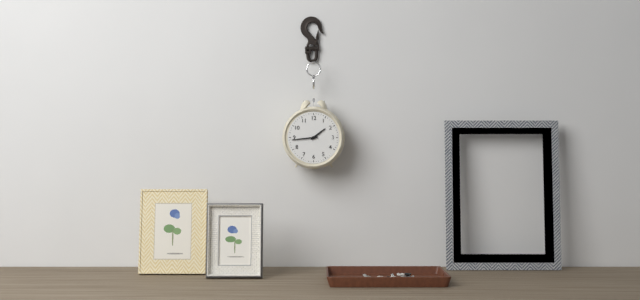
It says 1 h 44 min
